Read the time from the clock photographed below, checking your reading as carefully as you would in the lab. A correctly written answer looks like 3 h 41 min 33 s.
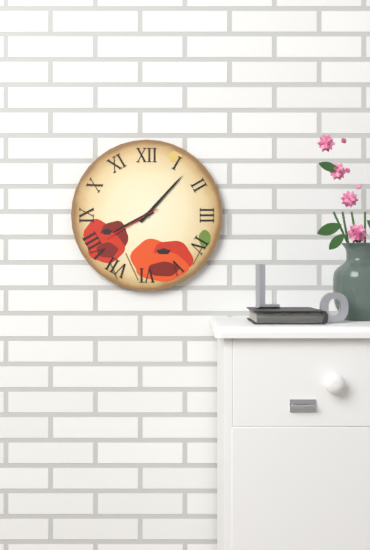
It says 8 h 07 min 40 s
